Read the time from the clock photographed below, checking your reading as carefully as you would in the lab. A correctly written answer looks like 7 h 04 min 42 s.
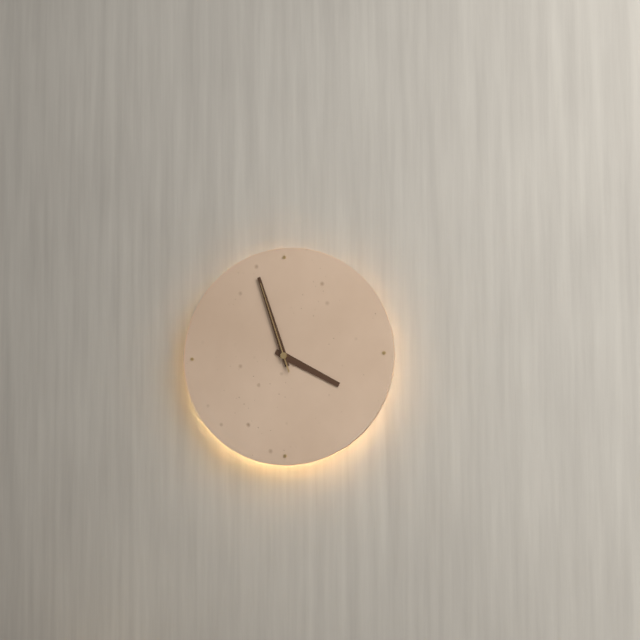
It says 3 h 57 min 57 s
